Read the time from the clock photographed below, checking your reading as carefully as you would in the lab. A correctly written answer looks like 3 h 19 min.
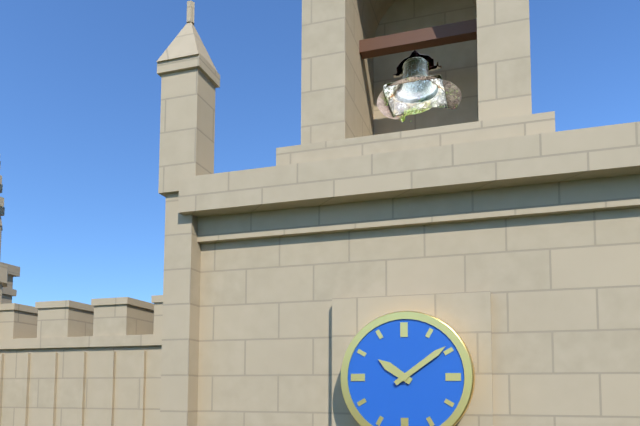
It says 10 h 09 min
